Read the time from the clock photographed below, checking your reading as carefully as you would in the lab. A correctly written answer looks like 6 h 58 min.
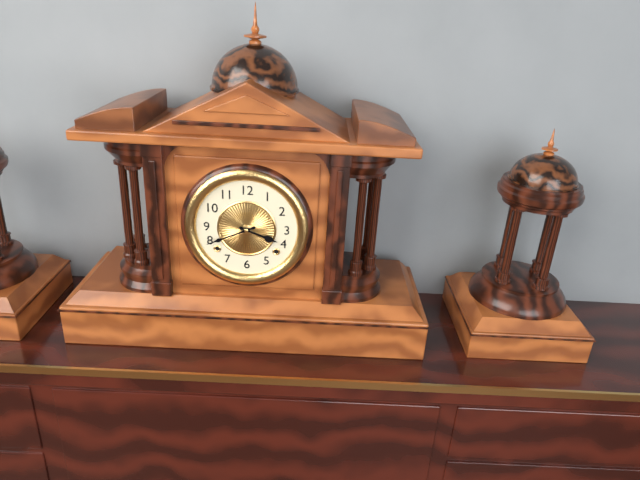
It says 3 h 41 min
